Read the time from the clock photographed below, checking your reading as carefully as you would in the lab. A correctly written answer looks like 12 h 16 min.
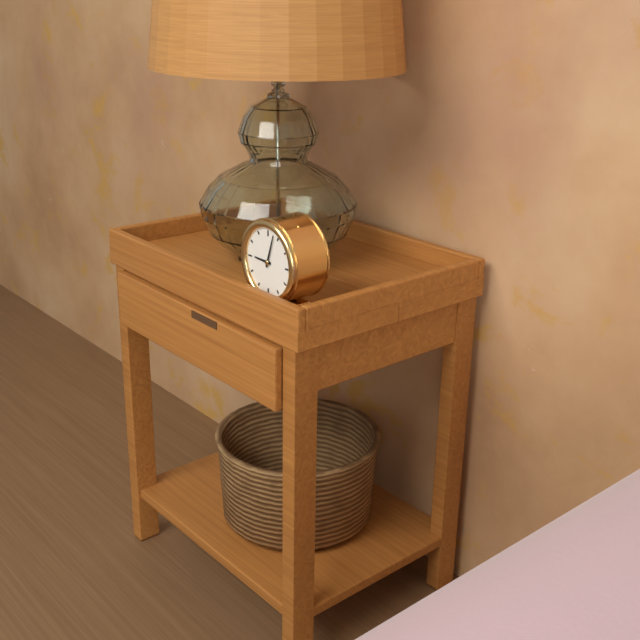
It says 9 h 03 min
